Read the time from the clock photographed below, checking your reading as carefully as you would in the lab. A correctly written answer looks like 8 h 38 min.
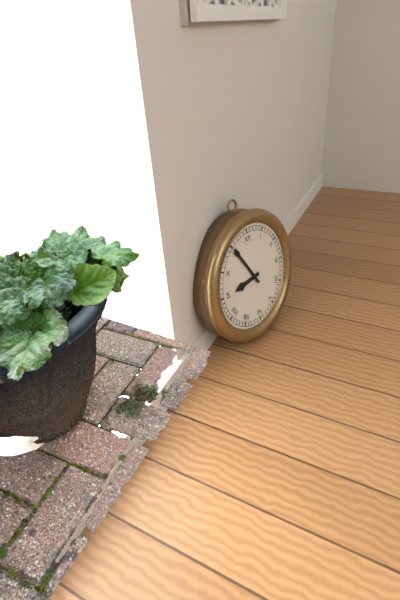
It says 8 h 55 min
